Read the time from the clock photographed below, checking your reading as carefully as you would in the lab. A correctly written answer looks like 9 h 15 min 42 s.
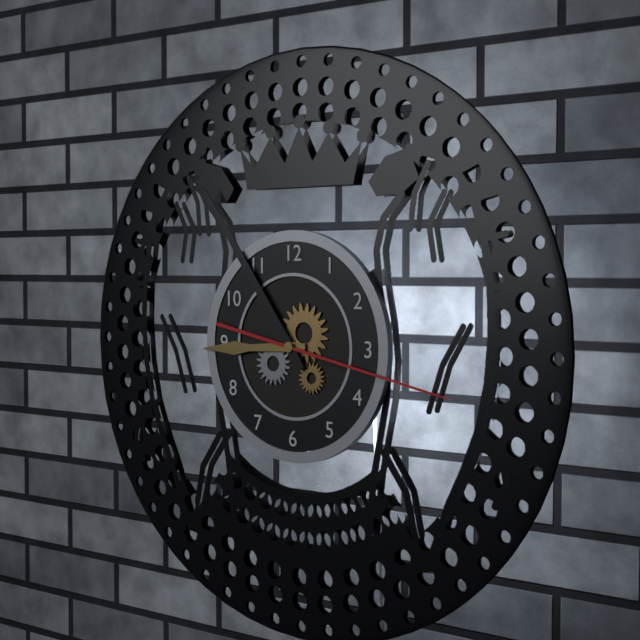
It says 8 h 54 min 17 s
